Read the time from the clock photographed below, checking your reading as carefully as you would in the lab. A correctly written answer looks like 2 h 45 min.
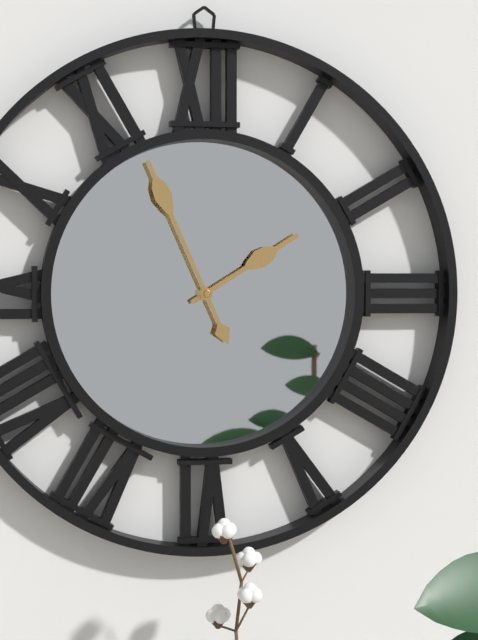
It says 1 h 56 min
